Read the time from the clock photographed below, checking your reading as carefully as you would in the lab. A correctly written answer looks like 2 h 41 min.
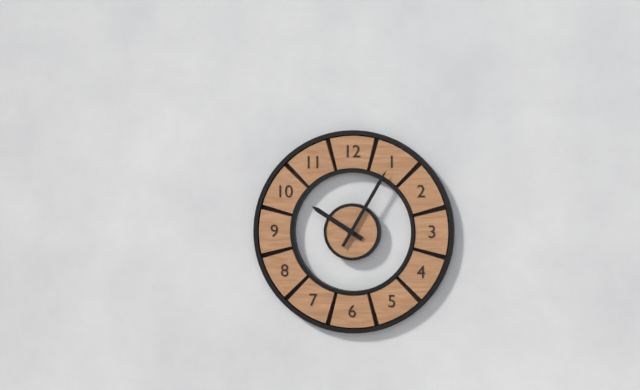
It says 10 h 05 min
